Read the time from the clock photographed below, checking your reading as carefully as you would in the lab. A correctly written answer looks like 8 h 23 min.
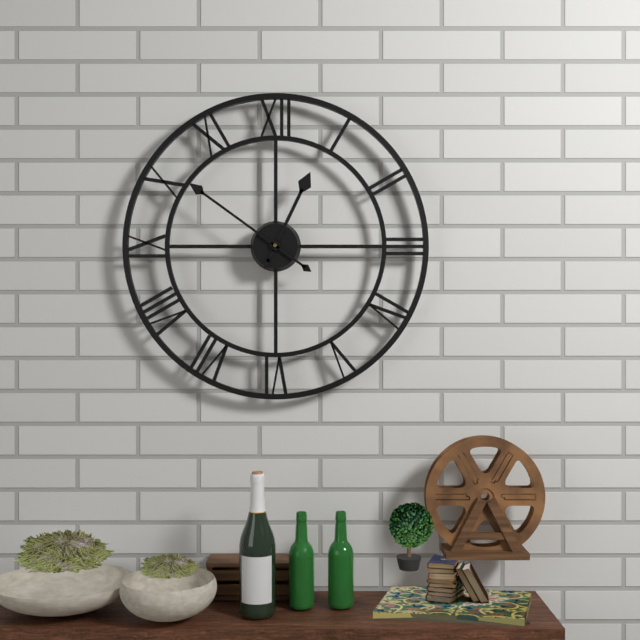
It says 12 h 51 min
